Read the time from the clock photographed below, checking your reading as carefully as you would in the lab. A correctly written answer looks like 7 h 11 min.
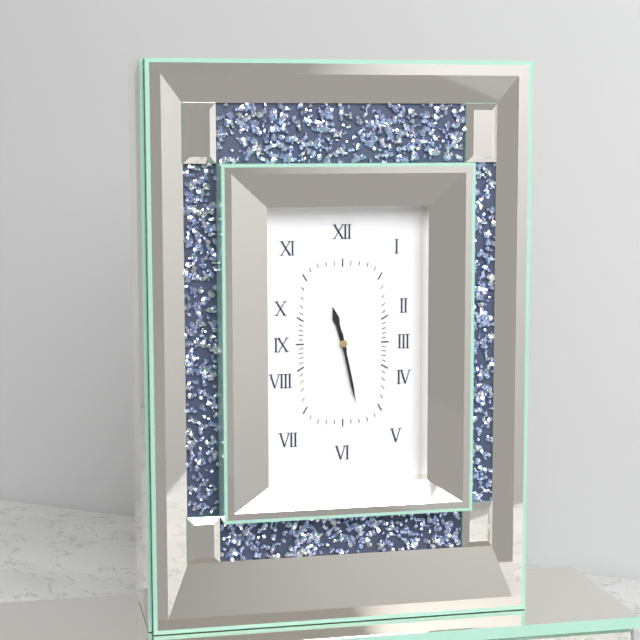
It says 11 h 28 min
